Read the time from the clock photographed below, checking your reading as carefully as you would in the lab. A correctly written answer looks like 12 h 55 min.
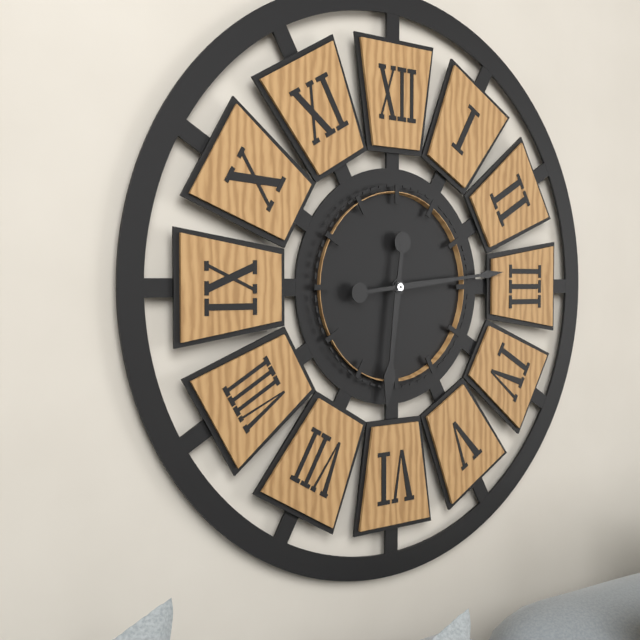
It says 6 h 14 min
